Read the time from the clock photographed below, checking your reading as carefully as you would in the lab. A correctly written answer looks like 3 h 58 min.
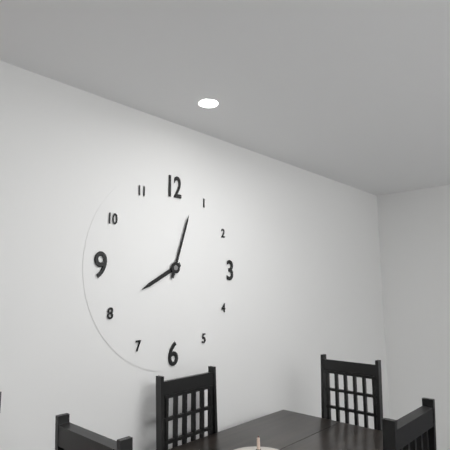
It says 8 h 03 min
